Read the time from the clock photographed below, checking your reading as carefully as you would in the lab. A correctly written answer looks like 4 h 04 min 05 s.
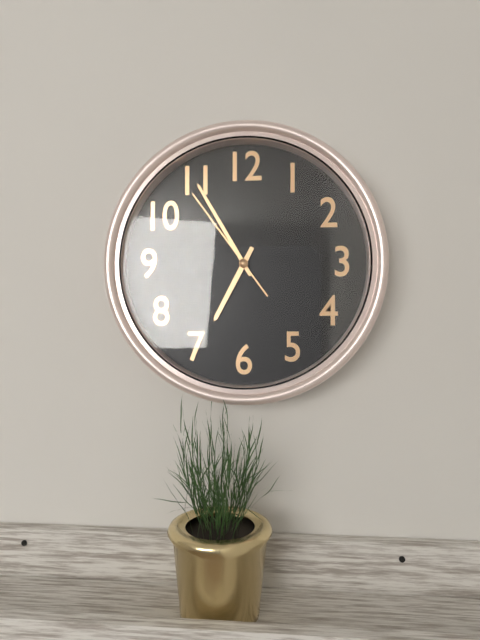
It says 6 h 55 min 54 s
